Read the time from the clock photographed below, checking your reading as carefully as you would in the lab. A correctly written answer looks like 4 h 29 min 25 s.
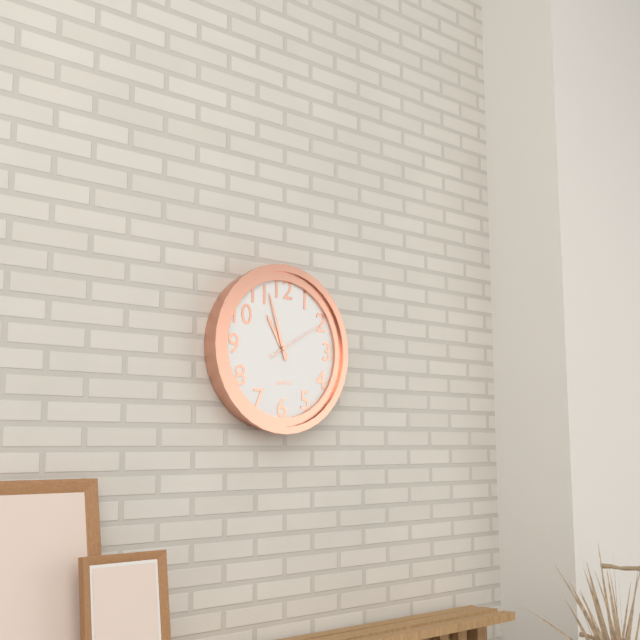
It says 10 h 57 min 10 s
